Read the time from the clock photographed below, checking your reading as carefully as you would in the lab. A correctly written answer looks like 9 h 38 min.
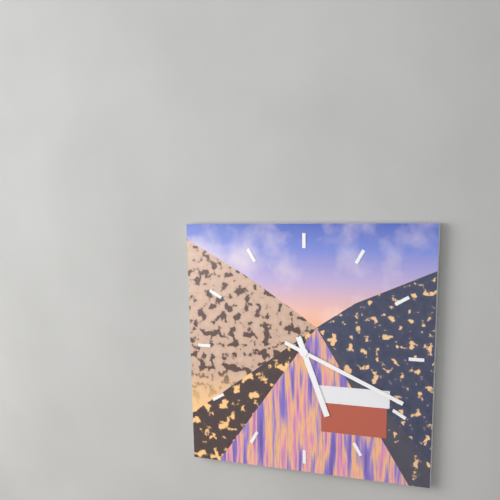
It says 5 h 19 min
